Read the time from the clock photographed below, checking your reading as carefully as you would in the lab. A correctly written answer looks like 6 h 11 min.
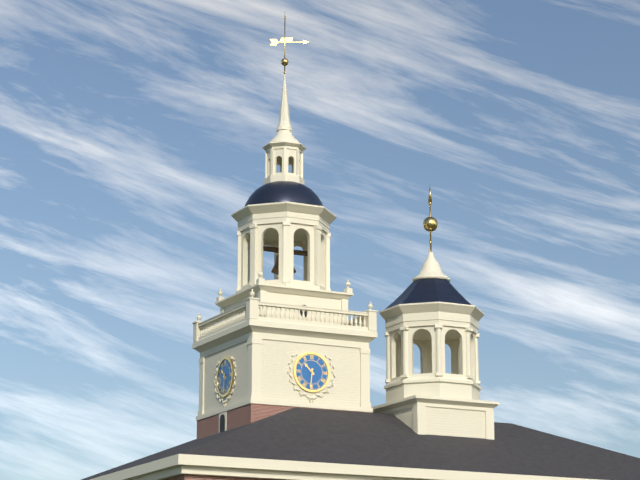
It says 10 h 31 min
